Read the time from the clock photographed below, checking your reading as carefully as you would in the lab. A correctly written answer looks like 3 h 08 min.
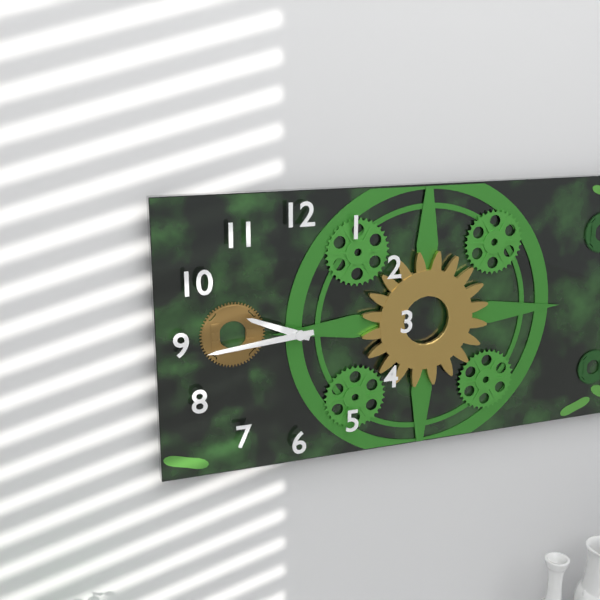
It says 9 h 44 min
